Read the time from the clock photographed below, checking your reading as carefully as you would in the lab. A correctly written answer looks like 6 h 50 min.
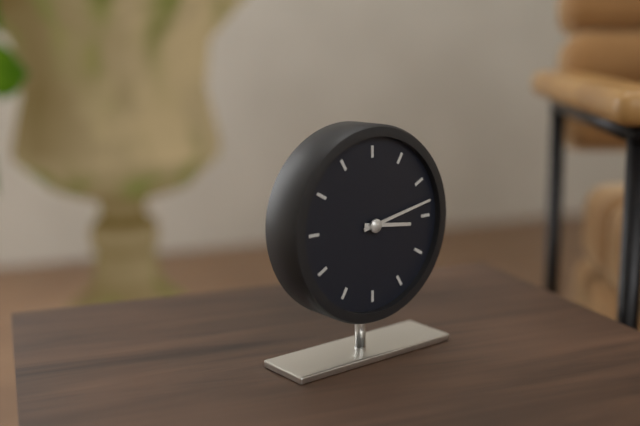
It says 3 h 13 min
